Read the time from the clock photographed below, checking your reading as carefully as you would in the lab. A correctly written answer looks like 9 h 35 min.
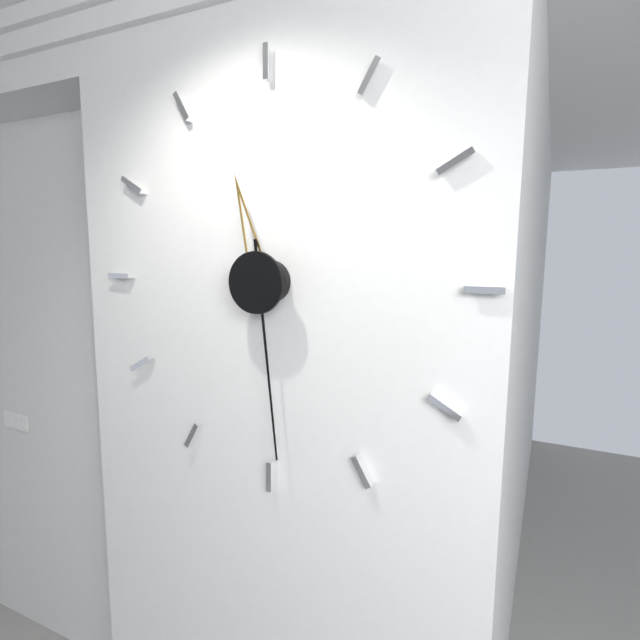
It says 11 h 29 min
